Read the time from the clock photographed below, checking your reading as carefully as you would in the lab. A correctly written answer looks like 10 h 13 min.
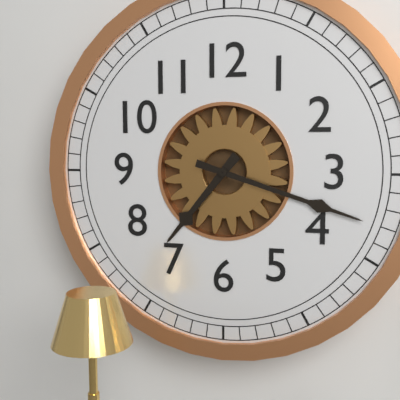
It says 7 h 18 min
